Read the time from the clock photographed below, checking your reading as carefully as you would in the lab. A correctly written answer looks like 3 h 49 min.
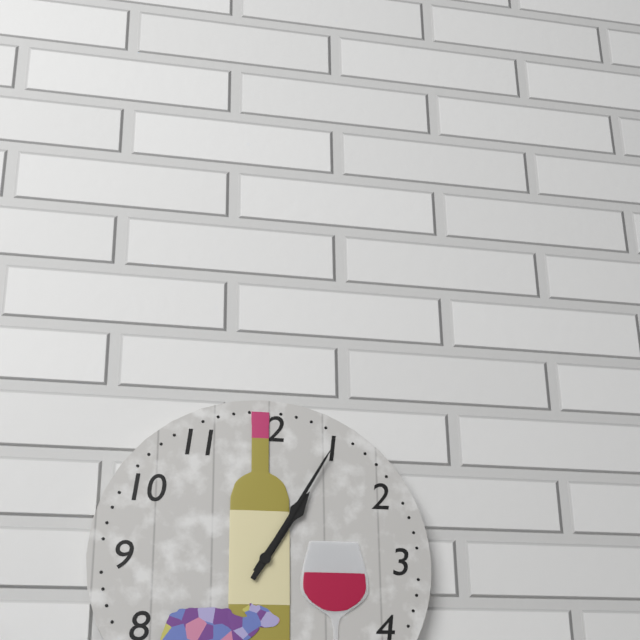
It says 1 h 05 min
